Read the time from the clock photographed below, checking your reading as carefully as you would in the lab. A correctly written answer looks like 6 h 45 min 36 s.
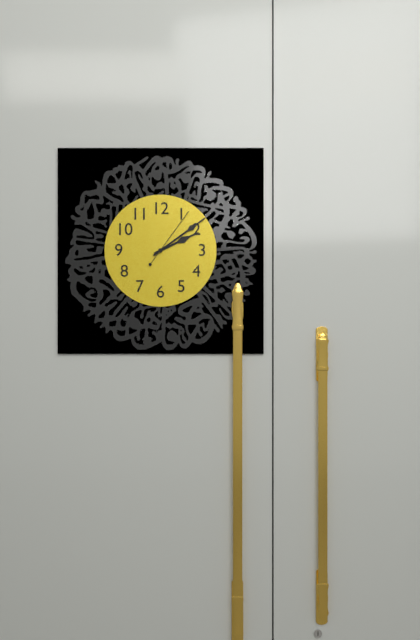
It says 2 h 09 min 06 s
